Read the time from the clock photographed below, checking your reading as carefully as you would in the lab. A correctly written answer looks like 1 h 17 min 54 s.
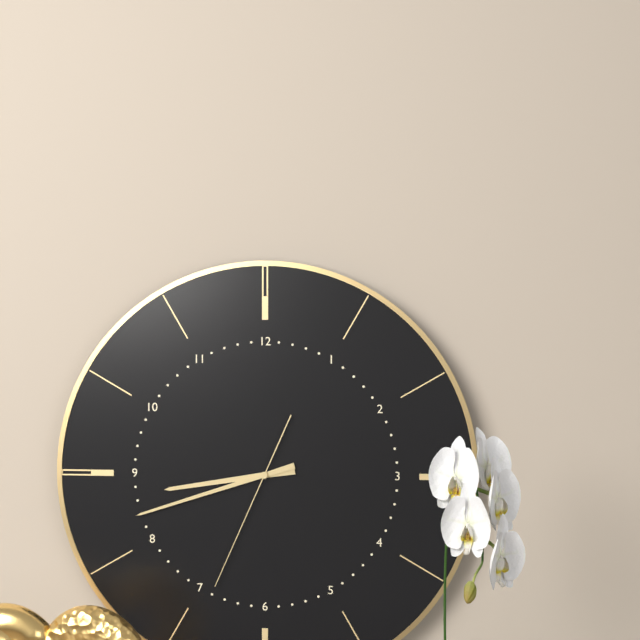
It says 8 h 42 min 34 s
